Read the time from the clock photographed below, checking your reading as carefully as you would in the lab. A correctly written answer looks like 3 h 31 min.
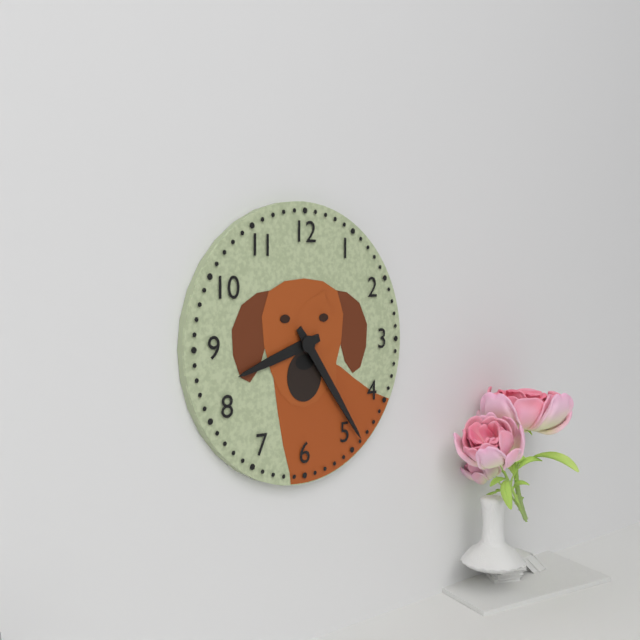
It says 8 h 24 min
